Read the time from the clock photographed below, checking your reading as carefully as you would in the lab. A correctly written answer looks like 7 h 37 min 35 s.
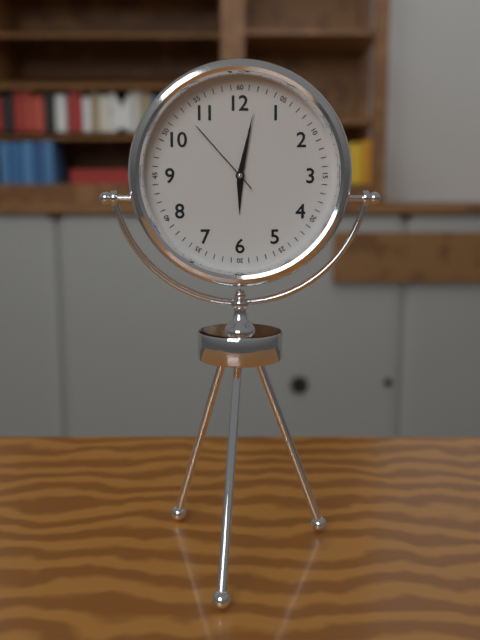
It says 6 h 02 min 53 s
